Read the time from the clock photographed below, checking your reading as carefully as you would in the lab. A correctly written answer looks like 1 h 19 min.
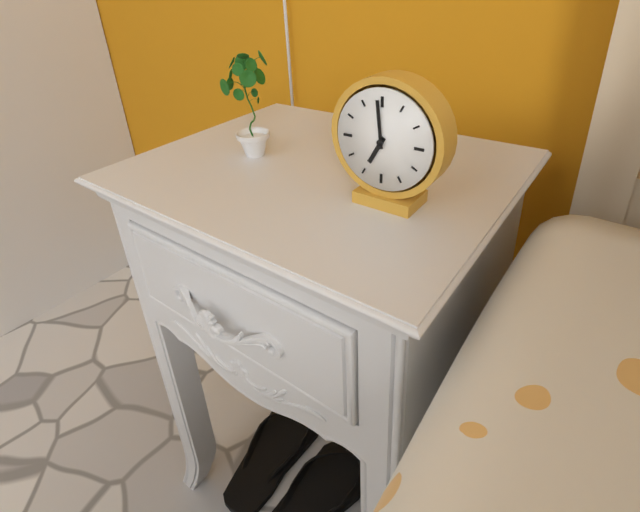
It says 6 h 59 min
